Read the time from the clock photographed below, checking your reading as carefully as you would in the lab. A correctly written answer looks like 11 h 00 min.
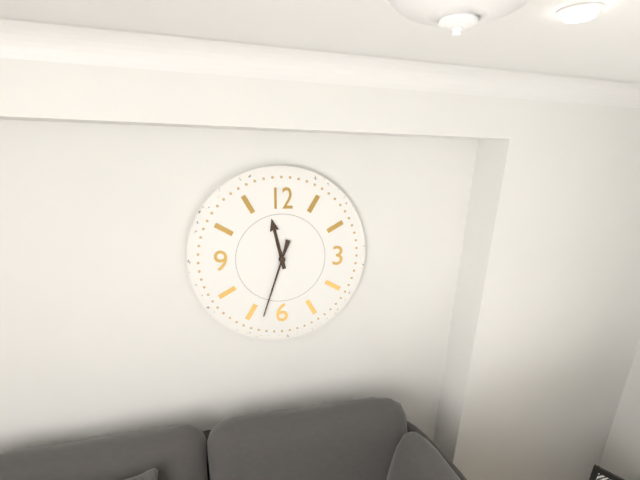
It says 11 h 33 min
